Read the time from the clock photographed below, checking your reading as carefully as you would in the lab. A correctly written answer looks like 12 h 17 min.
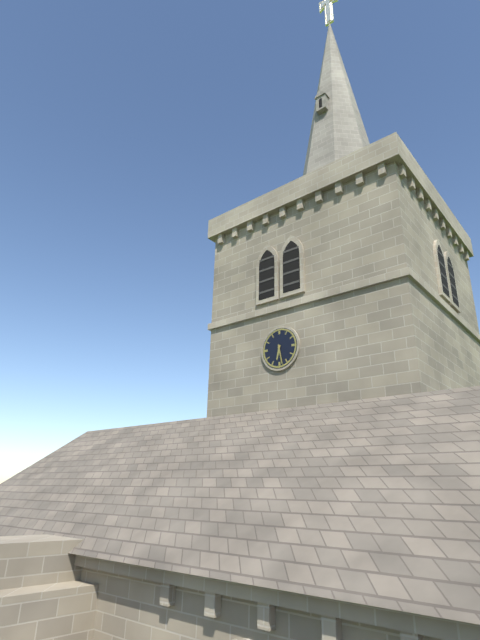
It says 6 h 28 min
